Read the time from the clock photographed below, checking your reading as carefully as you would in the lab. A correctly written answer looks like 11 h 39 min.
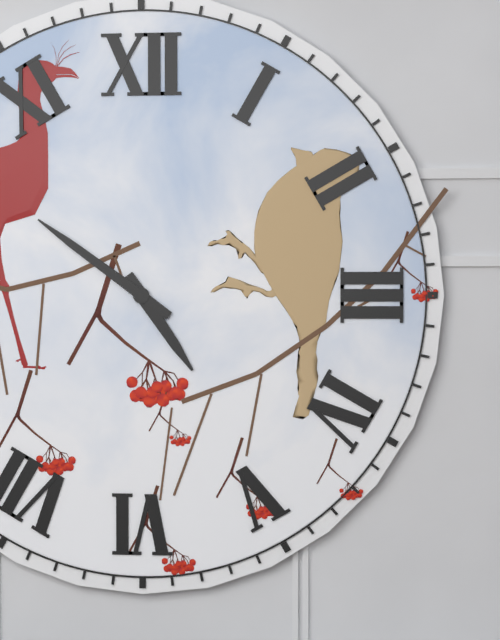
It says 4 h 51 min
